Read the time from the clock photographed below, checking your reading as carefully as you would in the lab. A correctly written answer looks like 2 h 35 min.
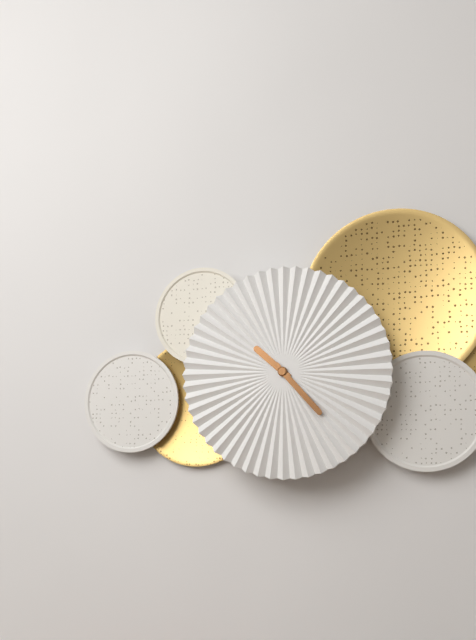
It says 10 h 23 min
